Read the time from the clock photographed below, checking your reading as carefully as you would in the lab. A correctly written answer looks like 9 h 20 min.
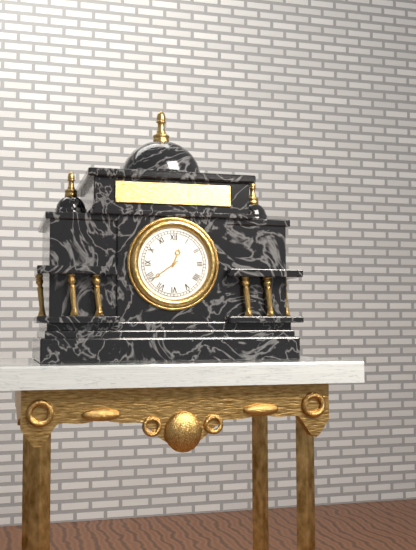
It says 12 h 39 min
